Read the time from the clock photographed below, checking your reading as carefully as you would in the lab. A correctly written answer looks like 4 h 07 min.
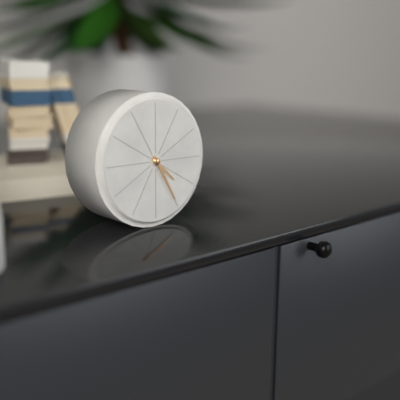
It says 4 h 25 min
